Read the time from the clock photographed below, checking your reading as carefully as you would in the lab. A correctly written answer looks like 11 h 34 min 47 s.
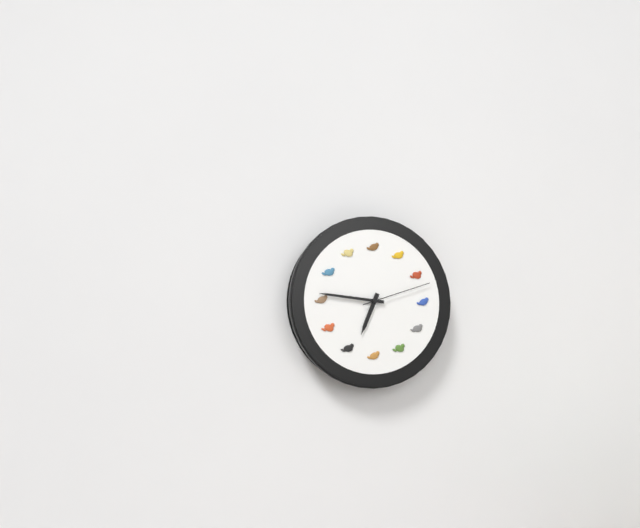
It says 6 h 46 min 12 s
